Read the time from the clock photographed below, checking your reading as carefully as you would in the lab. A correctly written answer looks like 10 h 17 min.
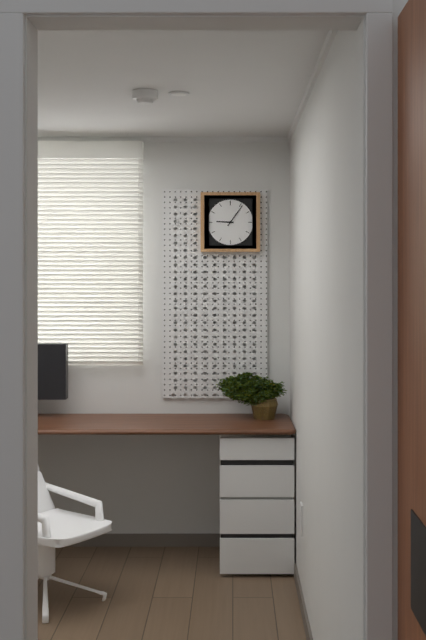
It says 9 h 06 min
